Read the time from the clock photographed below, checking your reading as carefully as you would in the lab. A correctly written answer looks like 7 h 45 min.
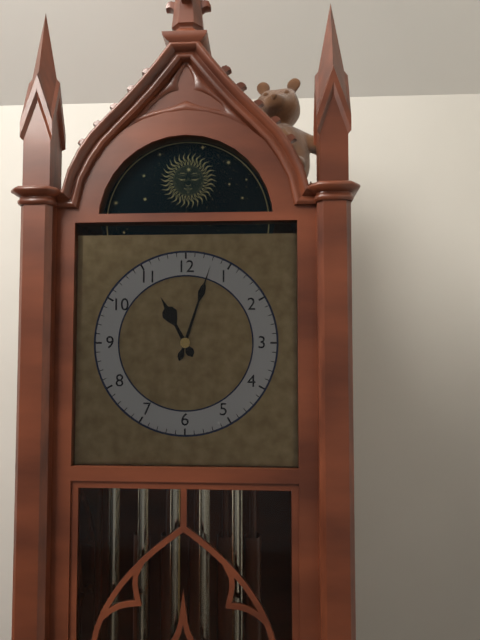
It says 11 h 03 min
